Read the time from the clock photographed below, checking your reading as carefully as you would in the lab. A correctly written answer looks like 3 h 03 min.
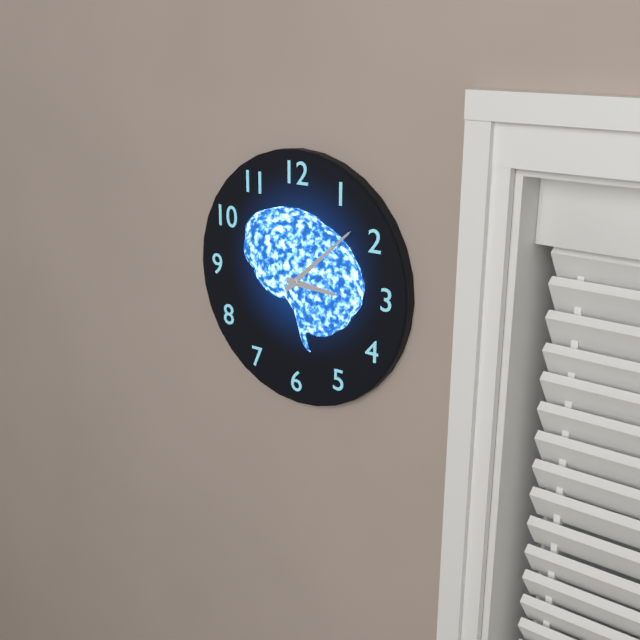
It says 3 h 08 min
